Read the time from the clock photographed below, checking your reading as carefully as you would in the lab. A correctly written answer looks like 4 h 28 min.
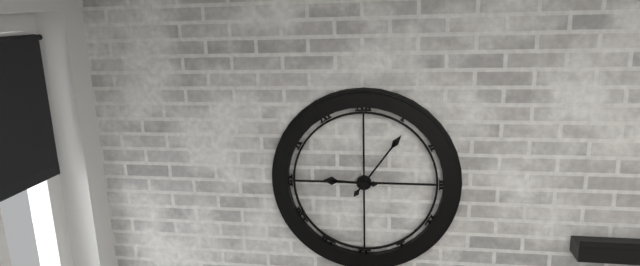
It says 9 h 06 min
